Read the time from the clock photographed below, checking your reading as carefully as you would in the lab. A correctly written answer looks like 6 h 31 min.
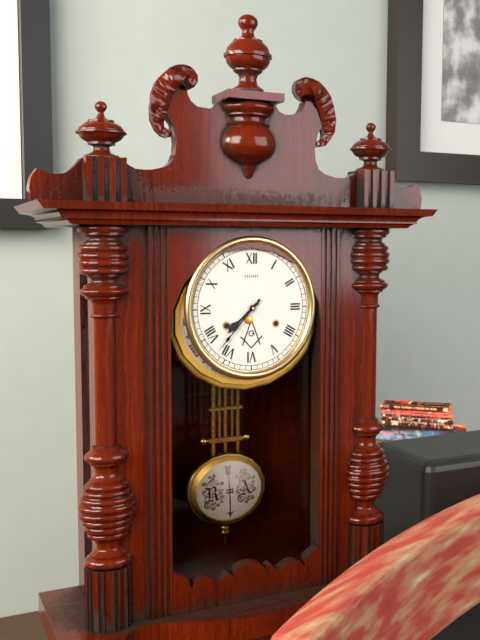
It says 7 h 37 min
